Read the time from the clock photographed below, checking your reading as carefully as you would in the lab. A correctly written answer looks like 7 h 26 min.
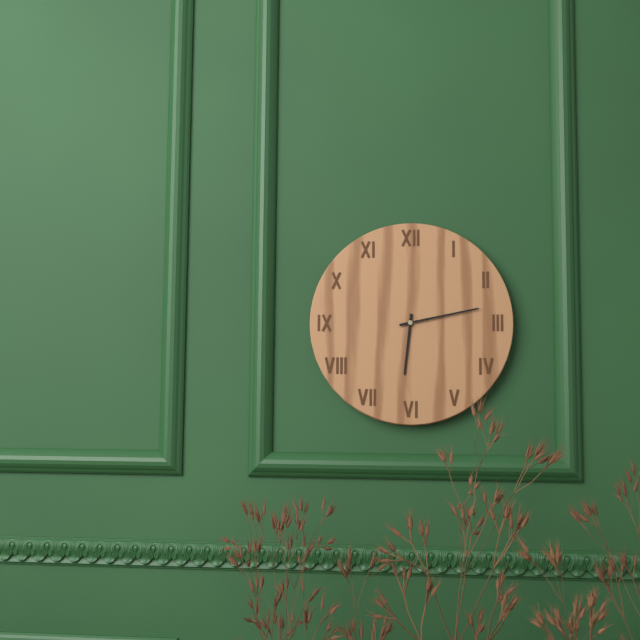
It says 6 h 13 min
